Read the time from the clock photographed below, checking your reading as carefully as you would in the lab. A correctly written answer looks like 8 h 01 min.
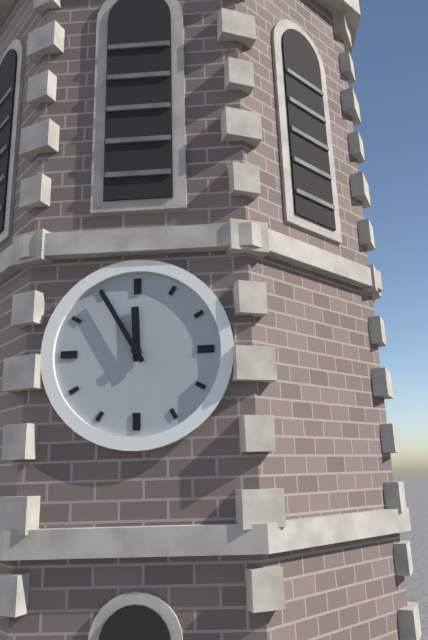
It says 11 h 55 min
